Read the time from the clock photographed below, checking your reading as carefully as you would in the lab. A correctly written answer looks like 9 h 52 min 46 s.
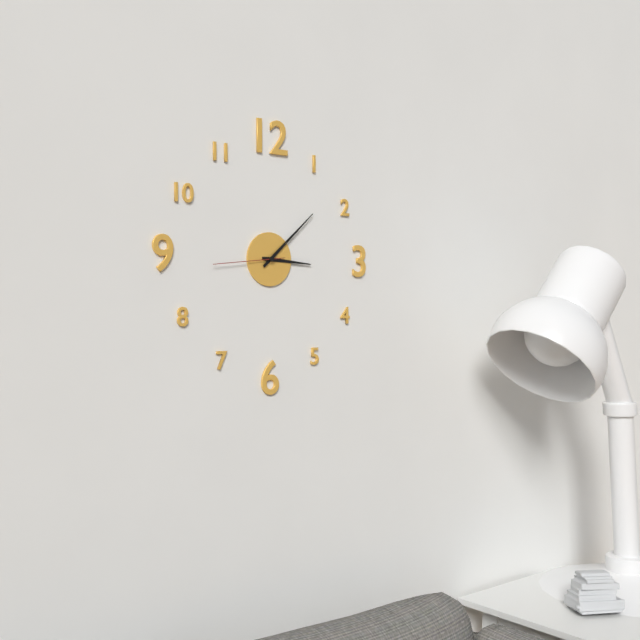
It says 3 h 08 min 44 s
